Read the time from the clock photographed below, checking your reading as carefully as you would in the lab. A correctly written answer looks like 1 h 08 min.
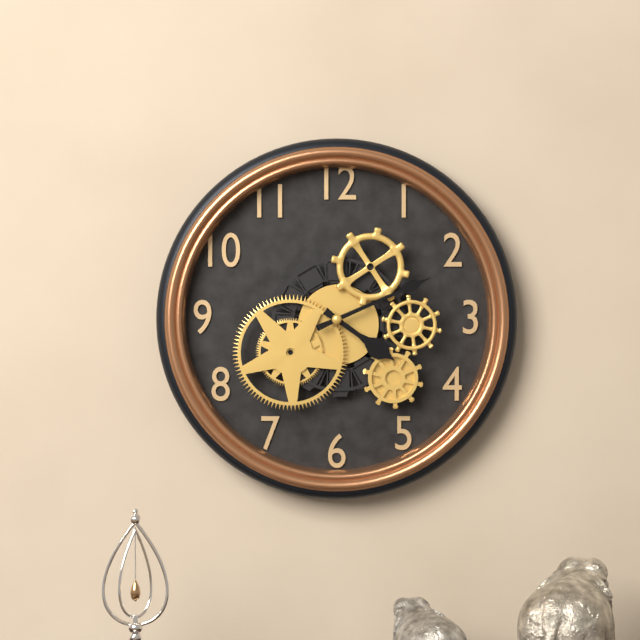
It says 4 h 11 min
